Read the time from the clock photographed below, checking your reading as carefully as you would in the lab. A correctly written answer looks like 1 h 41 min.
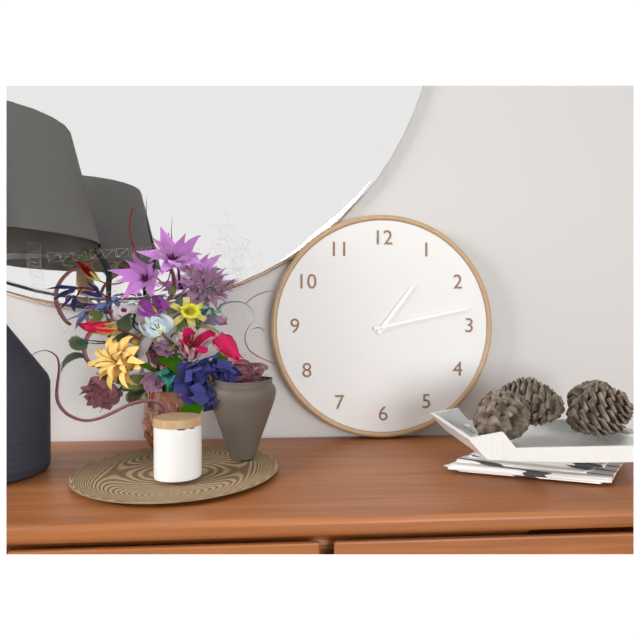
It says 1 h 13 min
